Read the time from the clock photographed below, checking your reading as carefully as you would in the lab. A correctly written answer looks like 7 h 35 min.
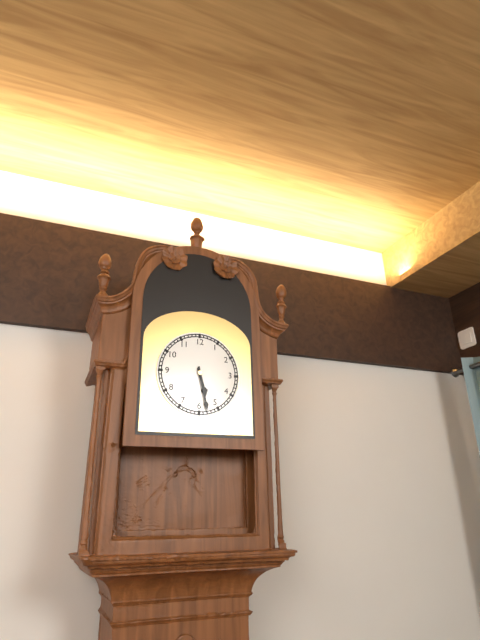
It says 5 h 28 min
